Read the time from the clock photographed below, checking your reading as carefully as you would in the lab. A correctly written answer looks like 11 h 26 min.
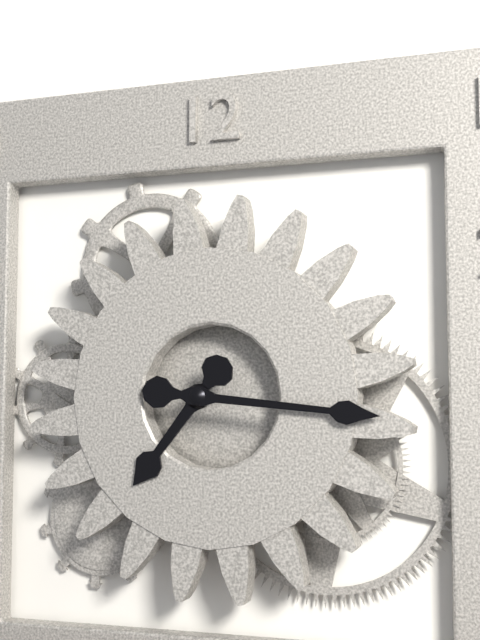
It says 7 h 16 min
